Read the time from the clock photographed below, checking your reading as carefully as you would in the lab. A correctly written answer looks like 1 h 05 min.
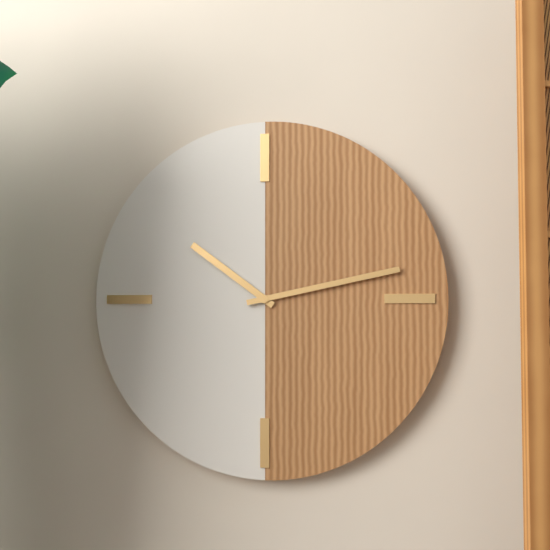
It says 10 h 13 min
